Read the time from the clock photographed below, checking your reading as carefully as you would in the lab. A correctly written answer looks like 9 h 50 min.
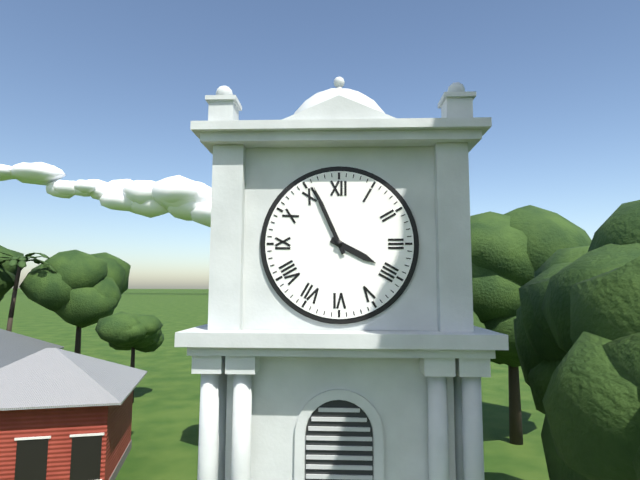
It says 3 h 56 min
